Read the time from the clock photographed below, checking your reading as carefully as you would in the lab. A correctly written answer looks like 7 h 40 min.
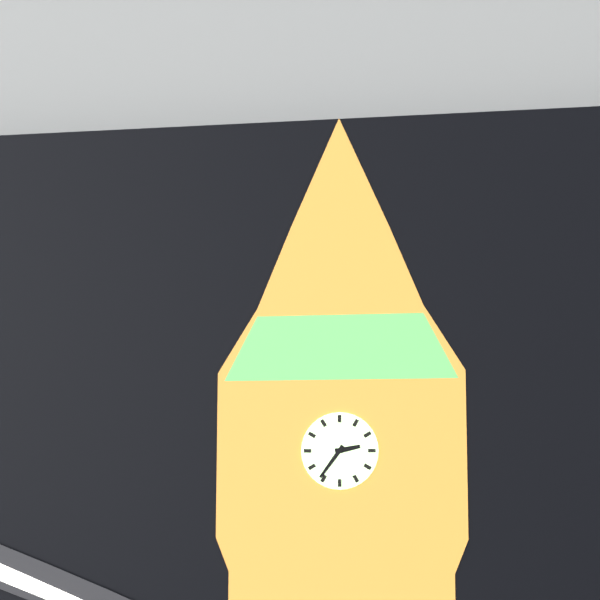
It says 2 h 36 min
